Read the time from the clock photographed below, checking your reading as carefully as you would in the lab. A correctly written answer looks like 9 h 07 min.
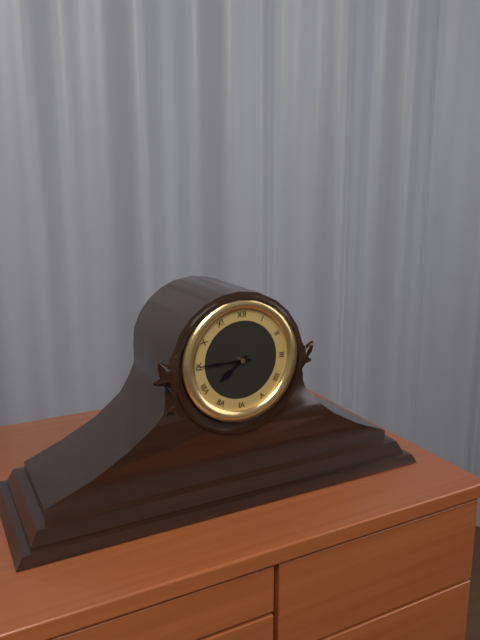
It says 7 h 45 min
